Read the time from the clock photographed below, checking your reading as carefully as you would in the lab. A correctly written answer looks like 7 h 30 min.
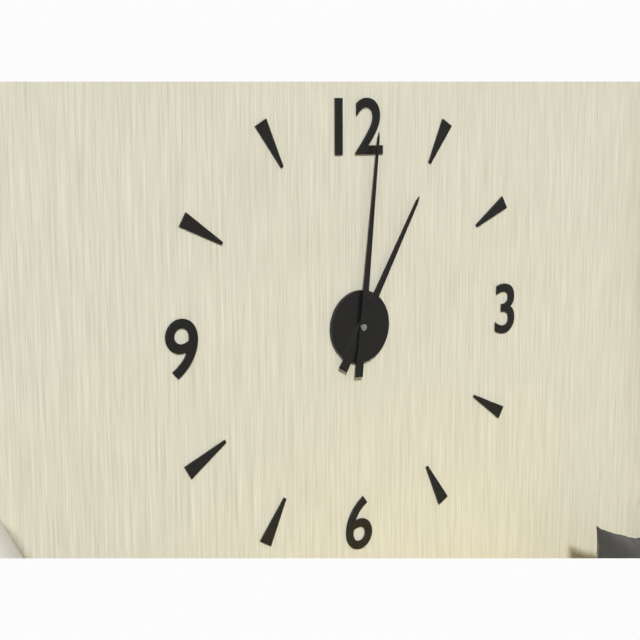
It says 1 h 01 min
